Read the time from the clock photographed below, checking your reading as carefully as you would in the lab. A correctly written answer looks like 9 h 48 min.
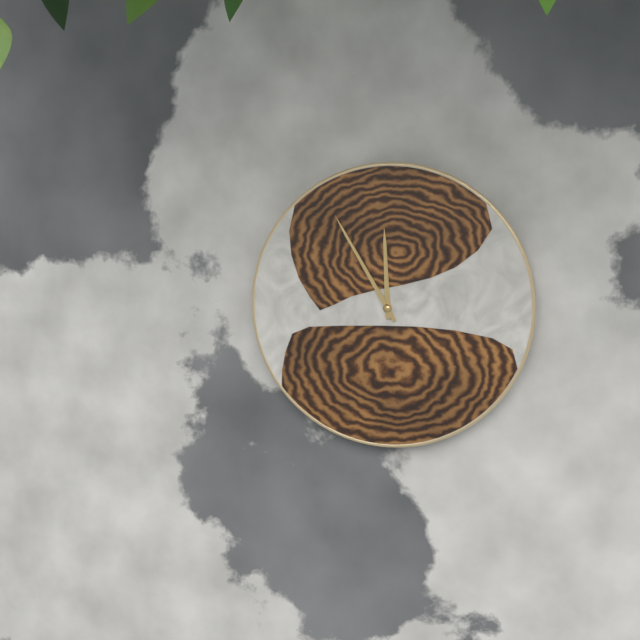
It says 11 h 55 min
